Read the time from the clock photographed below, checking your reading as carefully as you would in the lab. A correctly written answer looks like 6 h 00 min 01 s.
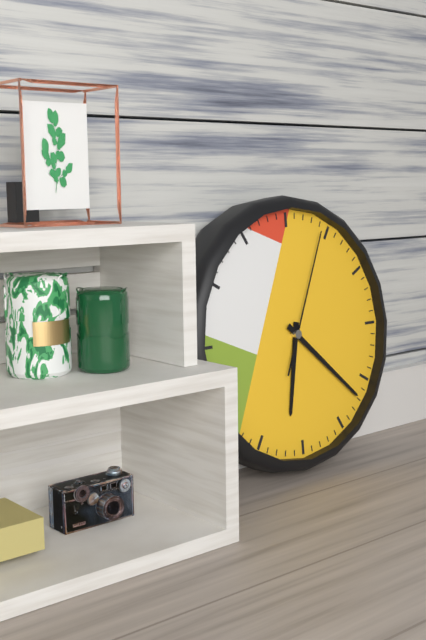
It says 6 h 22 min 04 s
